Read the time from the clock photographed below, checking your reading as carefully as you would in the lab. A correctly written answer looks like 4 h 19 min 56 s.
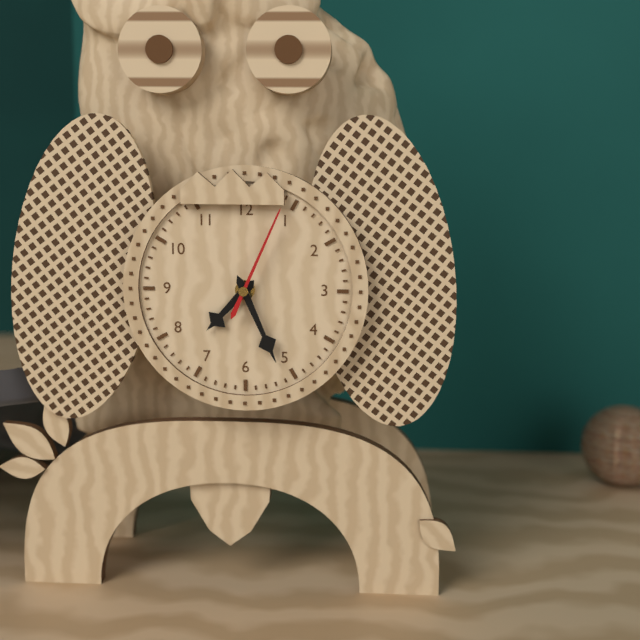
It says 7 h 26 min 04 s
